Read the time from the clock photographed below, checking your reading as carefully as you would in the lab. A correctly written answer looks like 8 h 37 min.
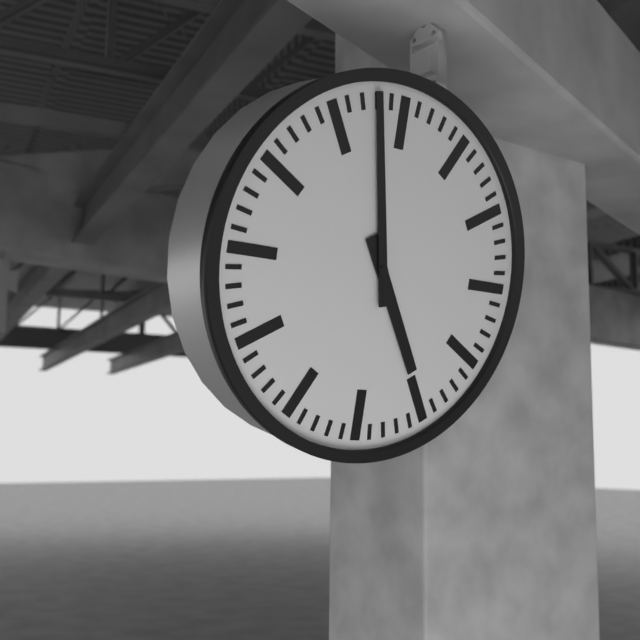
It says 4 h 58 min
